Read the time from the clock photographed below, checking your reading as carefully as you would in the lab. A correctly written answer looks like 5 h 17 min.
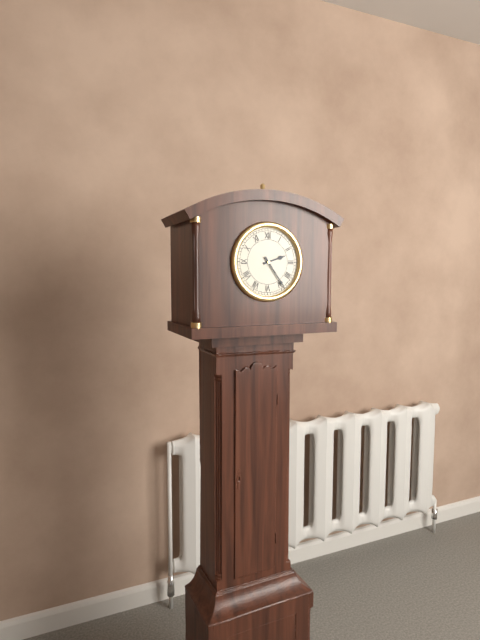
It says 2 h 24 min
